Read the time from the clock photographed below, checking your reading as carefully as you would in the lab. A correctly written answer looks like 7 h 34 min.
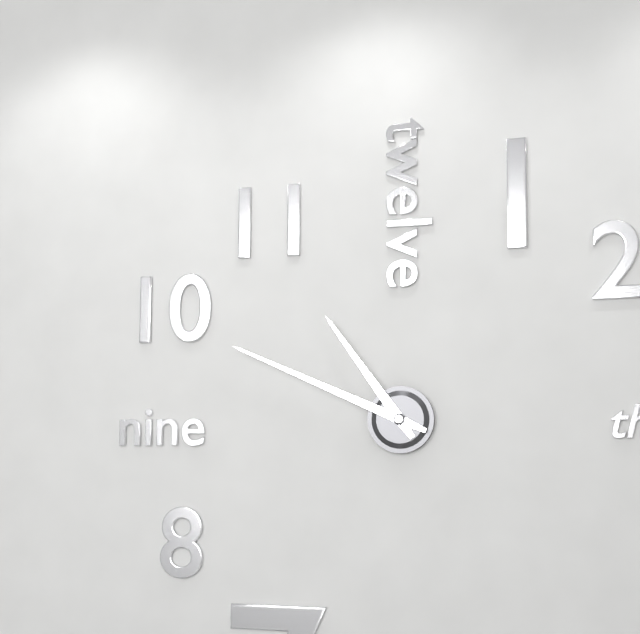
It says 10 h 49 min
